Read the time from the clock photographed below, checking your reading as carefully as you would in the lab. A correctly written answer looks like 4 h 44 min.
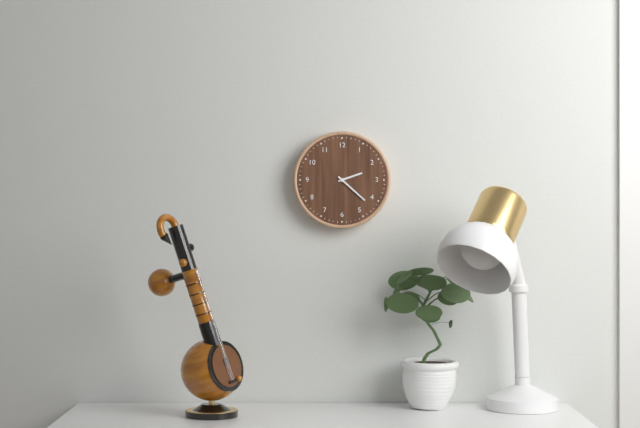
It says 2 h 22 min
